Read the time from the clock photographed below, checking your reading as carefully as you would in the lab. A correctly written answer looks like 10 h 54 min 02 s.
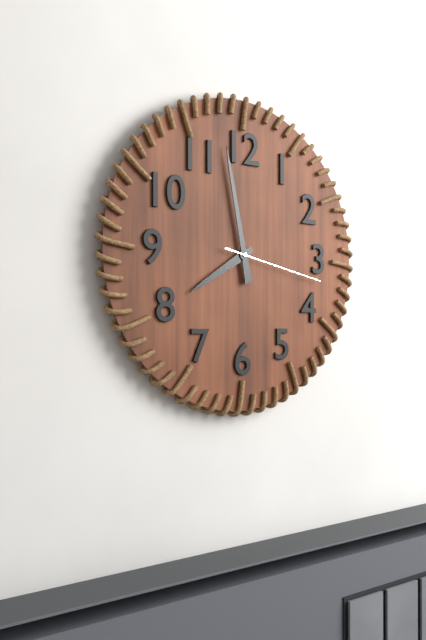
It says 7 h 58 min 17 s
